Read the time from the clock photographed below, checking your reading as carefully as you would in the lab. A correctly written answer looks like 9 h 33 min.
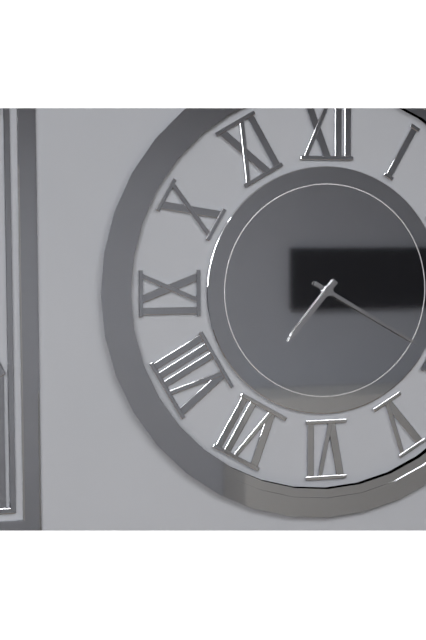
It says 7 h 20 min
